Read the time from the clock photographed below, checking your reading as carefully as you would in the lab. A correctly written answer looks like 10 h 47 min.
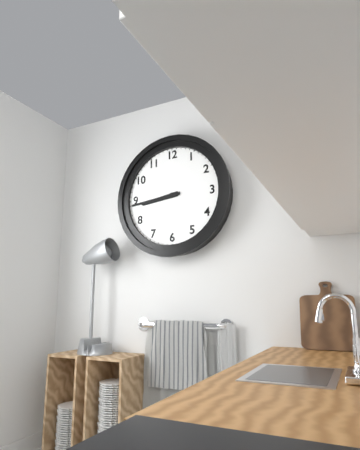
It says 8 h 44 min
